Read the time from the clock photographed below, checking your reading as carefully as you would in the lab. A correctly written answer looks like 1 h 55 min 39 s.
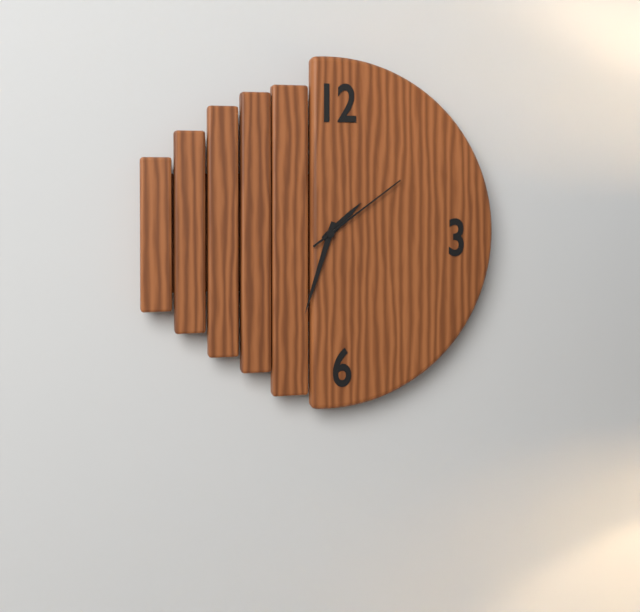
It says 1 h 33 min 09 s
